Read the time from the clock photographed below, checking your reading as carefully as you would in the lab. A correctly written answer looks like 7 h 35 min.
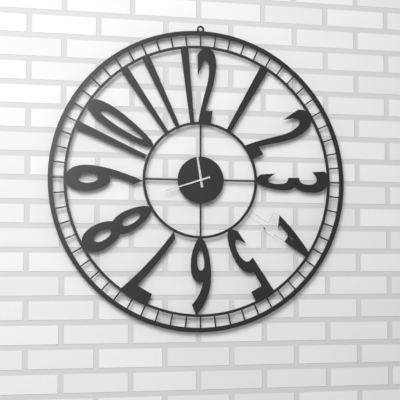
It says 11 h 42 min
